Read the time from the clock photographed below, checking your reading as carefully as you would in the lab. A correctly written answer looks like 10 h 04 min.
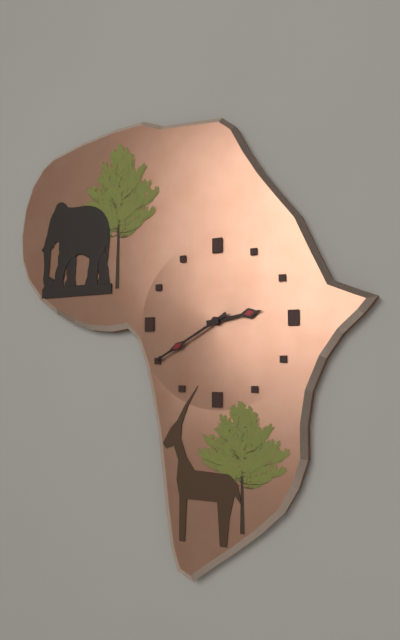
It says 2 h 40 min
